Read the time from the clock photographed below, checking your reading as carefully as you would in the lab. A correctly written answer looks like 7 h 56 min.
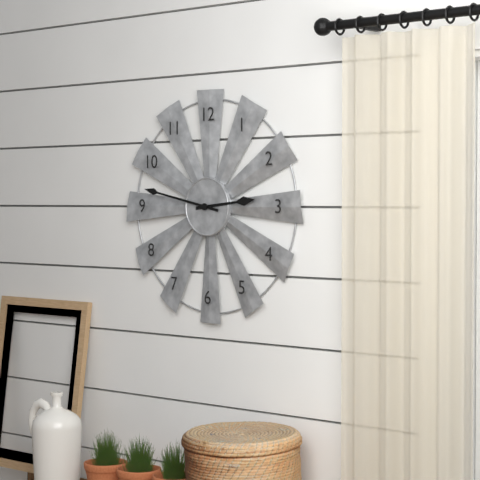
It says 2 h 47 min
